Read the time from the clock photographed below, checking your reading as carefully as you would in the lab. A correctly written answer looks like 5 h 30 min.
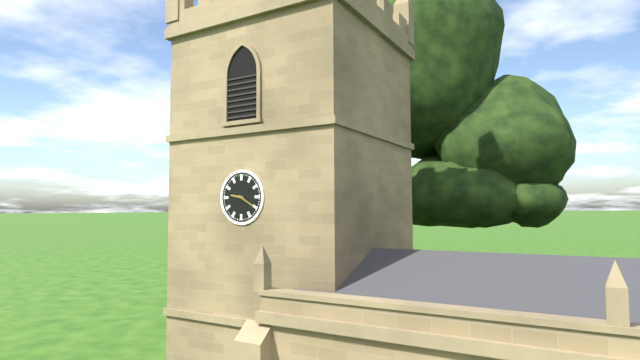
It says 9 h 20 min
